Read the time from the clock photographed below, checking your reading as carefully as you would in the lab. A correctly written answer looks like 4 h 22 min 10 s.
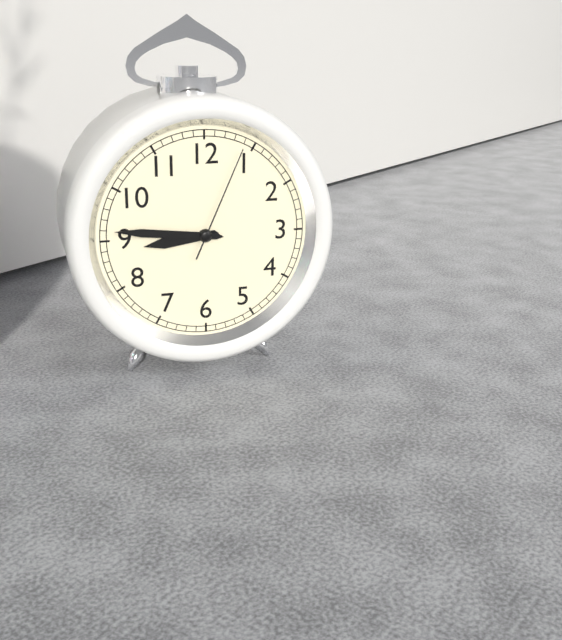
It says 8 h 46 min 04 s
